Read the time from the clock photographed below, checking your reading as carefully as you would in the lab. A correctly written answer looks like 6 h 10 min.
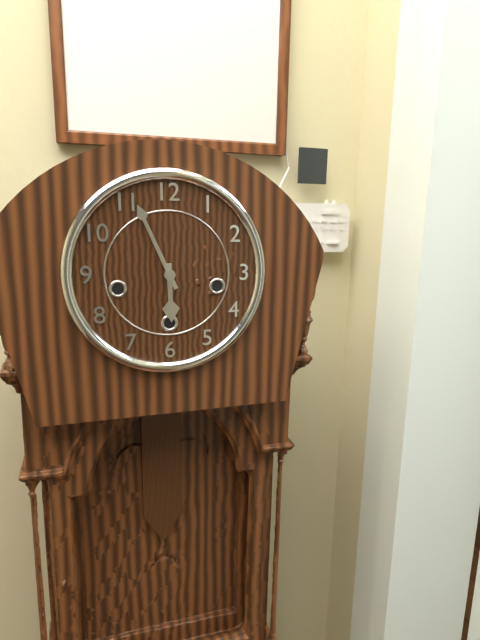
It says 5 h 56 min
